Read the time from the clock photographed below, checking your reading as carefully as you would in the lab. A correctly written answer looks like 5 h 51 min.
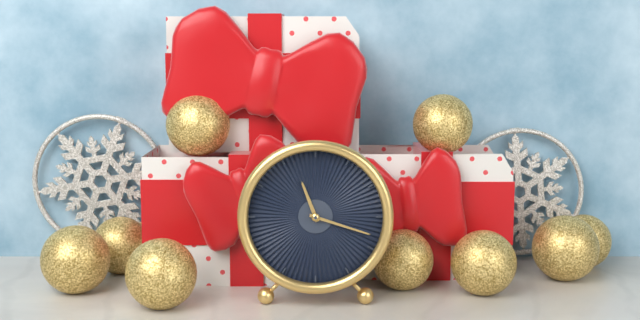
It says 11 h 18 min
